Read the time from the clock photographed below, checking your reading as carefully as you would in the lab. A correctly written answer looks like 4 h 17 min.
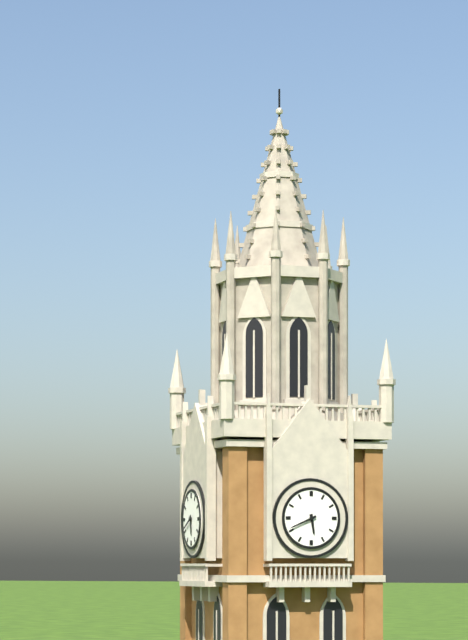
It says 5 h 41 min
